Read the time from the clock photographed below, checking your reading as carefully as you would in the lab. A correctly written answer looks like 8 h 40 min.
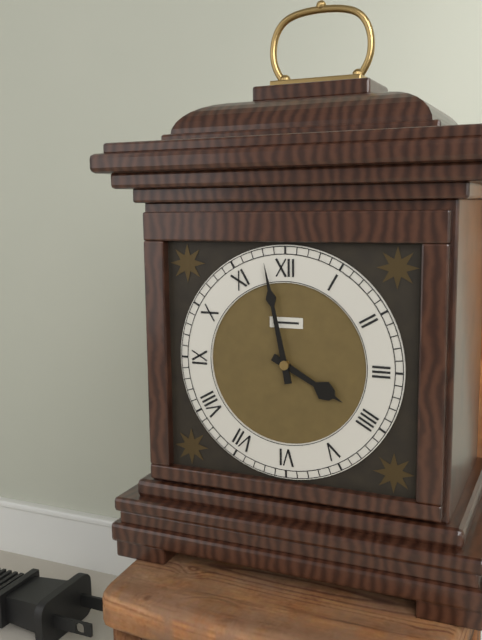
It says 3 h 58 min
